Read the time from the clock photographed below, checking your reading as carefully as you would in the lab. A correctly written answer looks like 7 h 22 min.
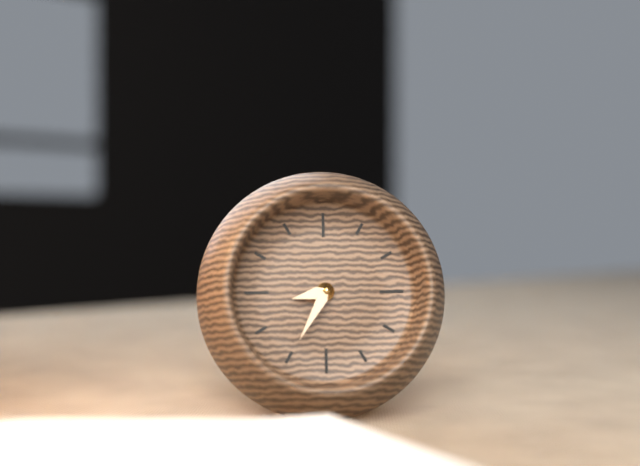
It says 8 h 35 min
